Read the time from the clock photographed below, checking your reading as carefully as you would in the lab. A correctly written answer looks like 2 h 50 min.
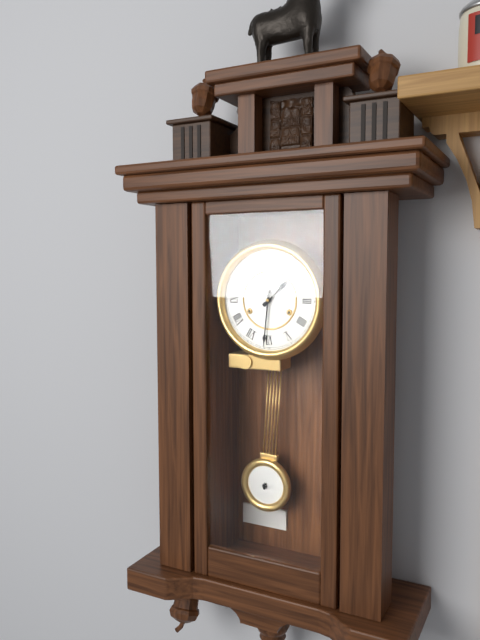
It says 1 h 31 min
